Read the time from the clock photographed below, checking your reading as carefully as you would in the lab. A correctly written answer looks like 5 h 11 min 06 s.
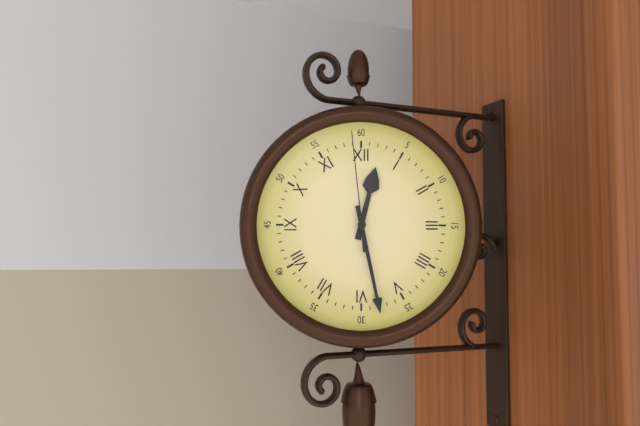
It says 12 h 28 min 59 s
